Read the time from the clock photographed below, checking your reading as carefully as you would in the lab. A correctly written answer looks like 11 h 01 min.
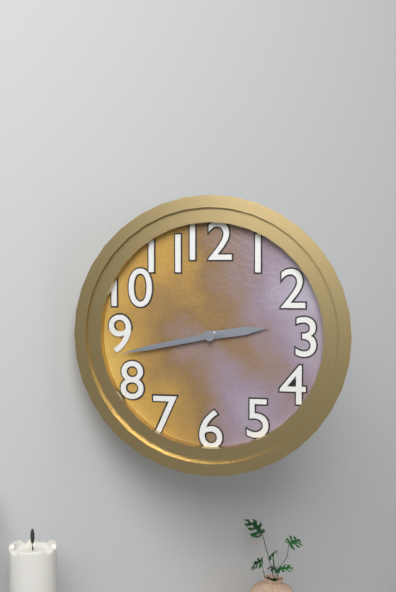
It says 2 h 43 min
